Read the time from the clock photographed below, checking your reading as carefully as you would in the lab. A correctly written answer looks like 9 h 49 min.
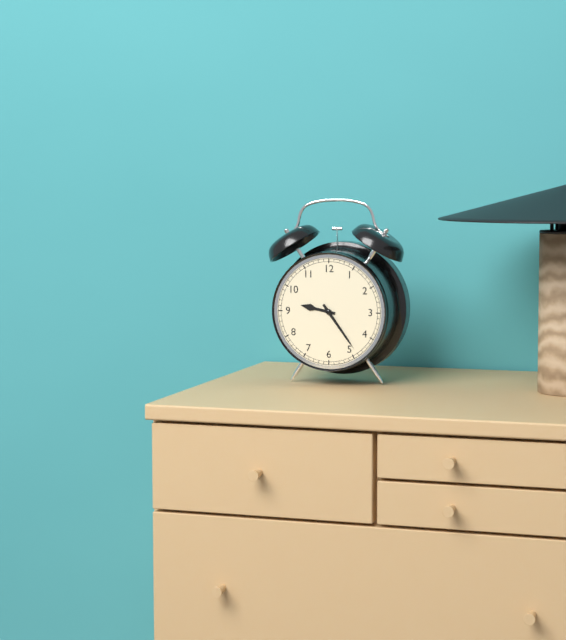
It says 9 h 24 min
